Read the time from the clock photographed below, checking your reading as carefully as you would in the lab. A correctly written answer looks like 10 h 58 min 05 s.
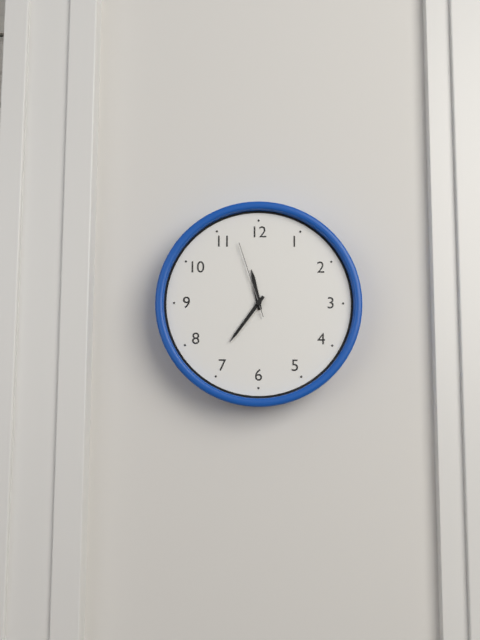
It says 11 h 36 min 57 s
